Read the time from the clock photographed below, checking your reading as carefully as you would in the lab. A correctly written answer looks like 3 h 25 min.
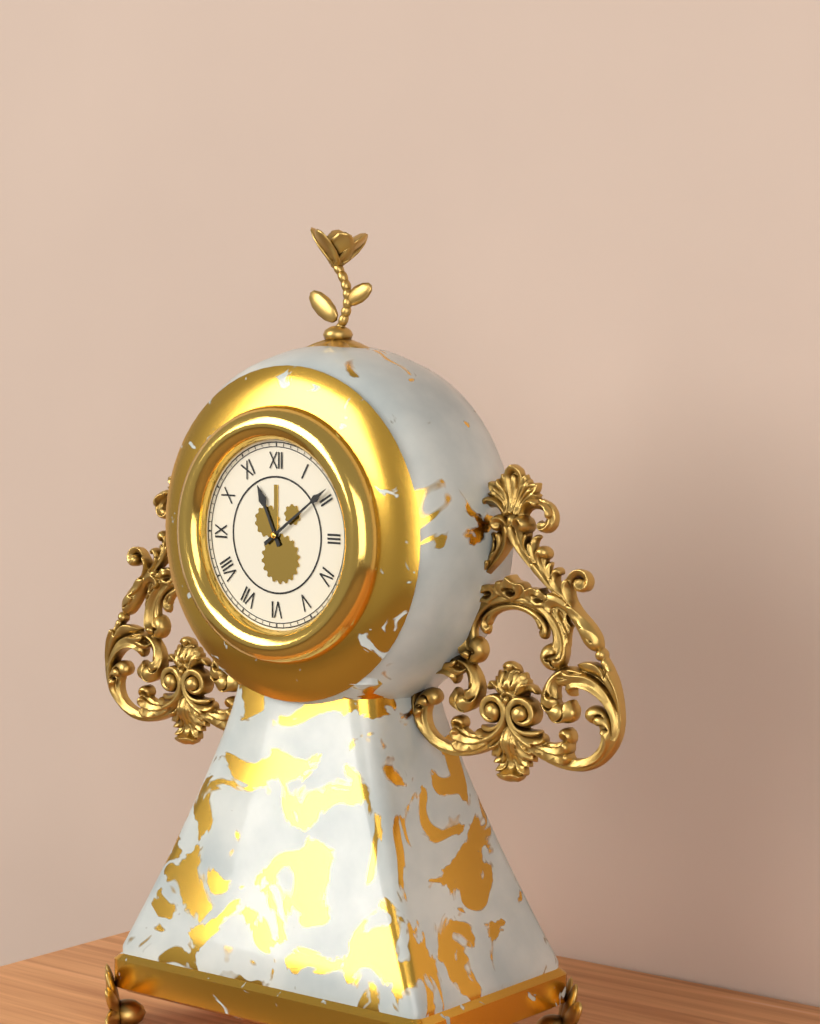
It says 11 h 09 min
